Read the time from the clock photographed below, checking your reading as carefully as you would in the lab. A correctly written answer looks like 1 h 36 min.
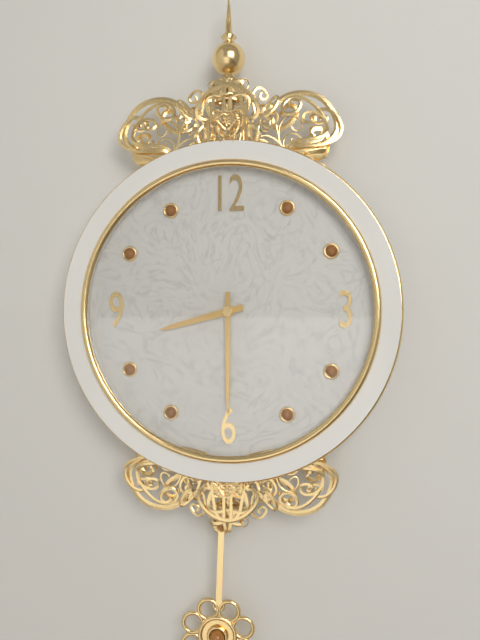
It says 8 h 30 min
